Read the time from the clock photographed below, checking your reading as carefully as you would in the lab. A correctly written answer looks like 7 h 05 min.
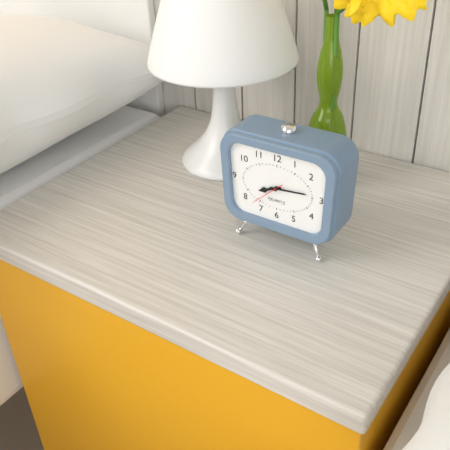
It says 8 h 14 min
